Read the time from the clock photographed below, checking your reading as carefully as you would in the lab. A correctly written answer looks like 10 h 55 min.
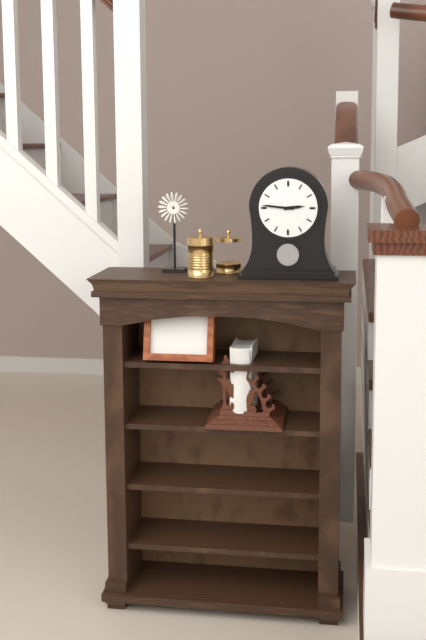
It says 2 h 46 min
